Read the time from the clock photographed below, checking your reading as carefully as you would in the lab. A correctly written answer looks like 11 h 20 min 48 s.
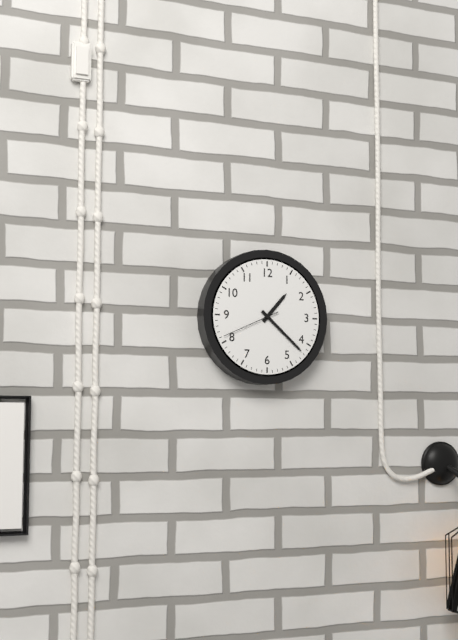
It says 1 h 22 min 41 s
